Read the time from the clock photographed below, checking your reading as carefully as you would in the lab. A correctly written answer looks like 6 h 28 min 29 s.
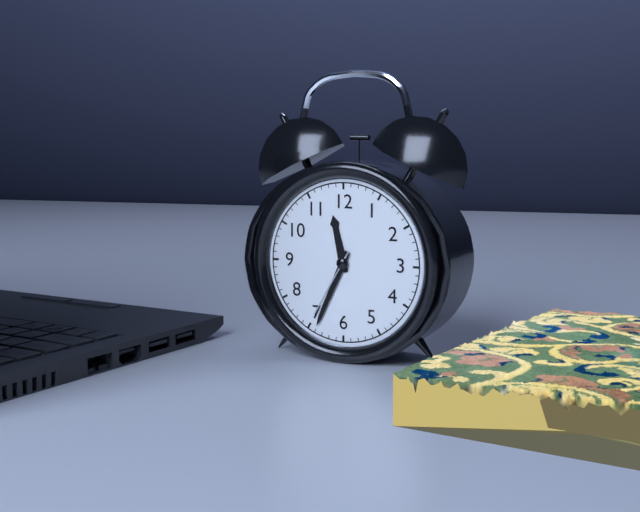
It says 11 h 34 min 35 s
